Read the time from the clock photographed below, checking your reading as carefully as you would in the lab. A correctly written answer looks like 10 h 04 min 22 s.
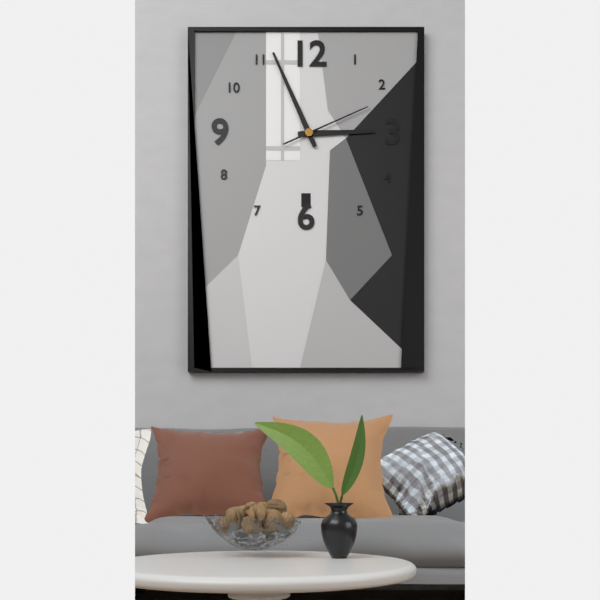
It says 2 h 56 min 11 s
